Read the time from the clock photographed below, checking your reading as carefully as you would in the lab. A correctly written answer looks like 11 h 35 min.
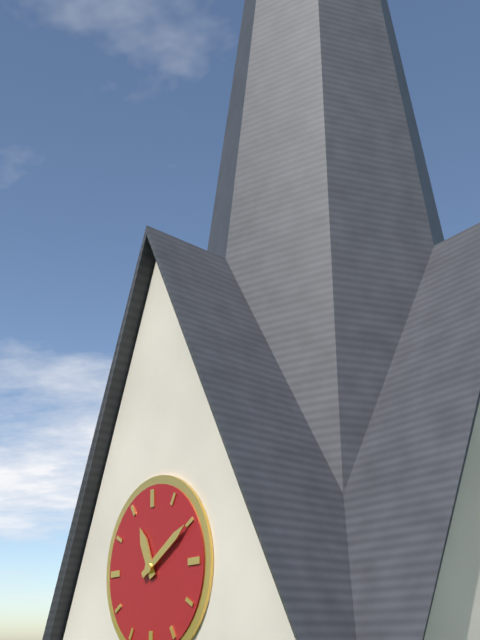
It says 11 h 10 min
